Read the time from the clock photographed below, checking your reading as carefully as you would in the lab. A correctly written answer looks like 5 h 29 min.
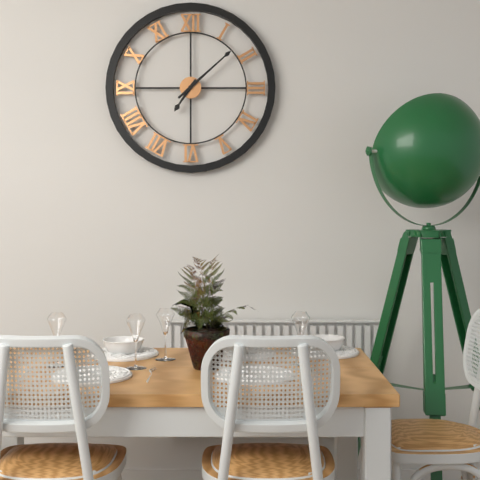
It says 7 h 08 min
